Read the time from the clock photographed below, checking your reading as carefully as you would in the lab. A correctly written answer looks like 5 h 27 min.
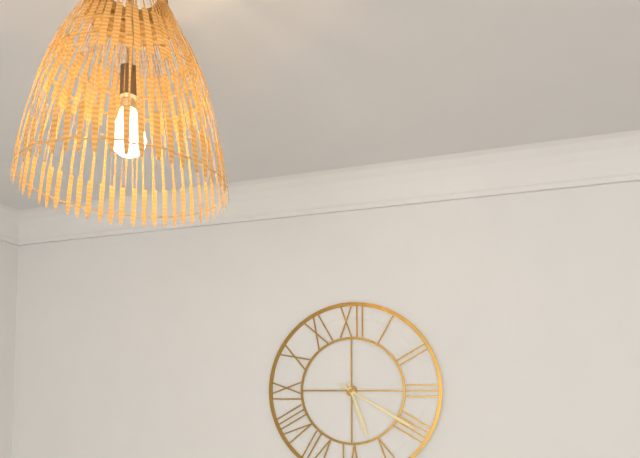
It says 5 h 20 min
